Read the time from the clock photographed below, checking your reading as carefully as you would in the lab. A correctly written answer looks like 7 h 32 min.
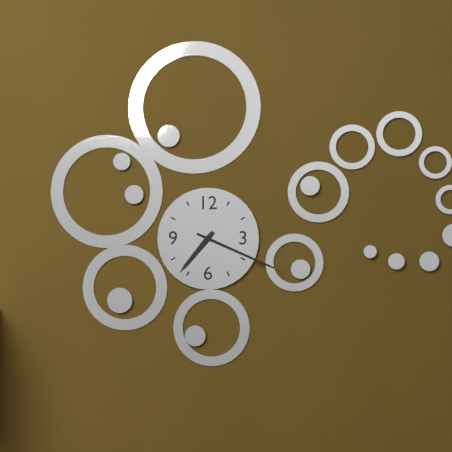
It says 7 h 19 min
